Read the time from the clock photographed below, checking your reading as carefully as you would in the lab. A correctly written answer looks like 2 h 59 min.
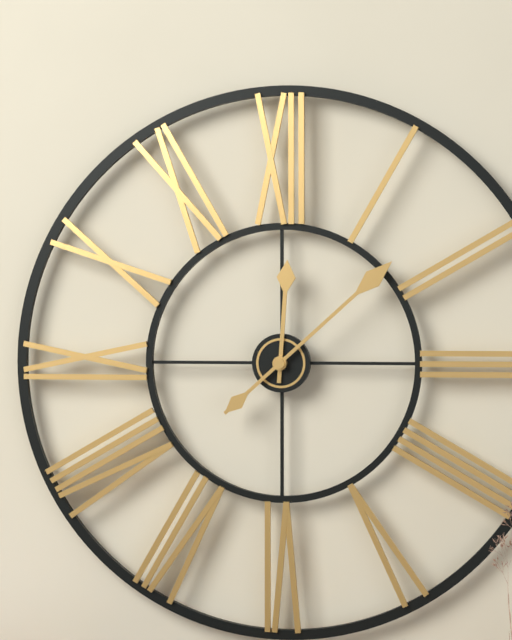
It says 12 h 08 min
